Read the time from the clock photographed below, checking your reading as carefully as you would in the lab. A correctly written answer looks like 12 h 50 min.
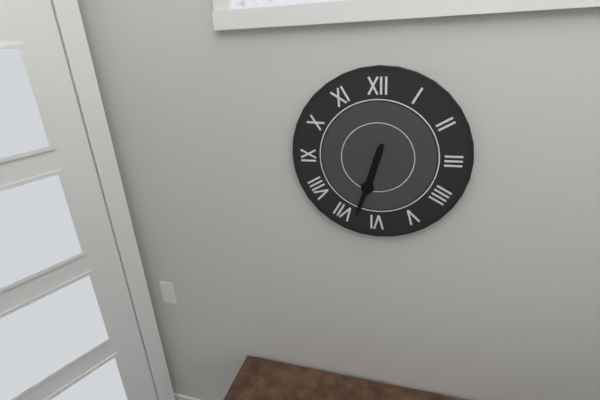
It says 6 h 33 min
